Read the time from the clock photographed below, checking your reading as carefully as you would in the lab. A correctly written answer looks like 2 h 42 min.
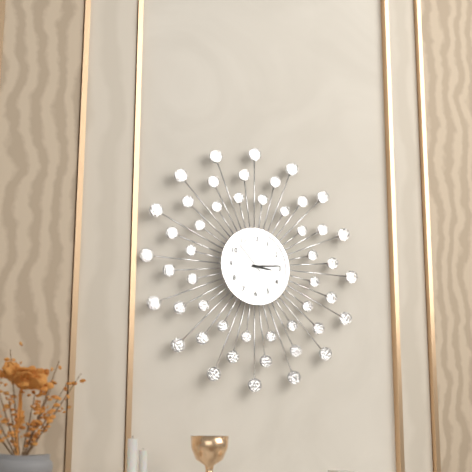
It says 3 h 14 min
